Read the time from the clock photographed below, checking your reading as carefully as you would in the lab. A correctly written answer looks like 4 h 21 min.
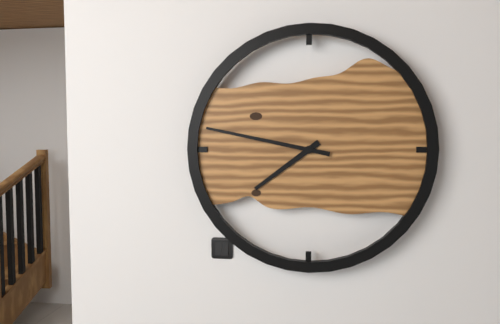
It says 7 h 47 min
